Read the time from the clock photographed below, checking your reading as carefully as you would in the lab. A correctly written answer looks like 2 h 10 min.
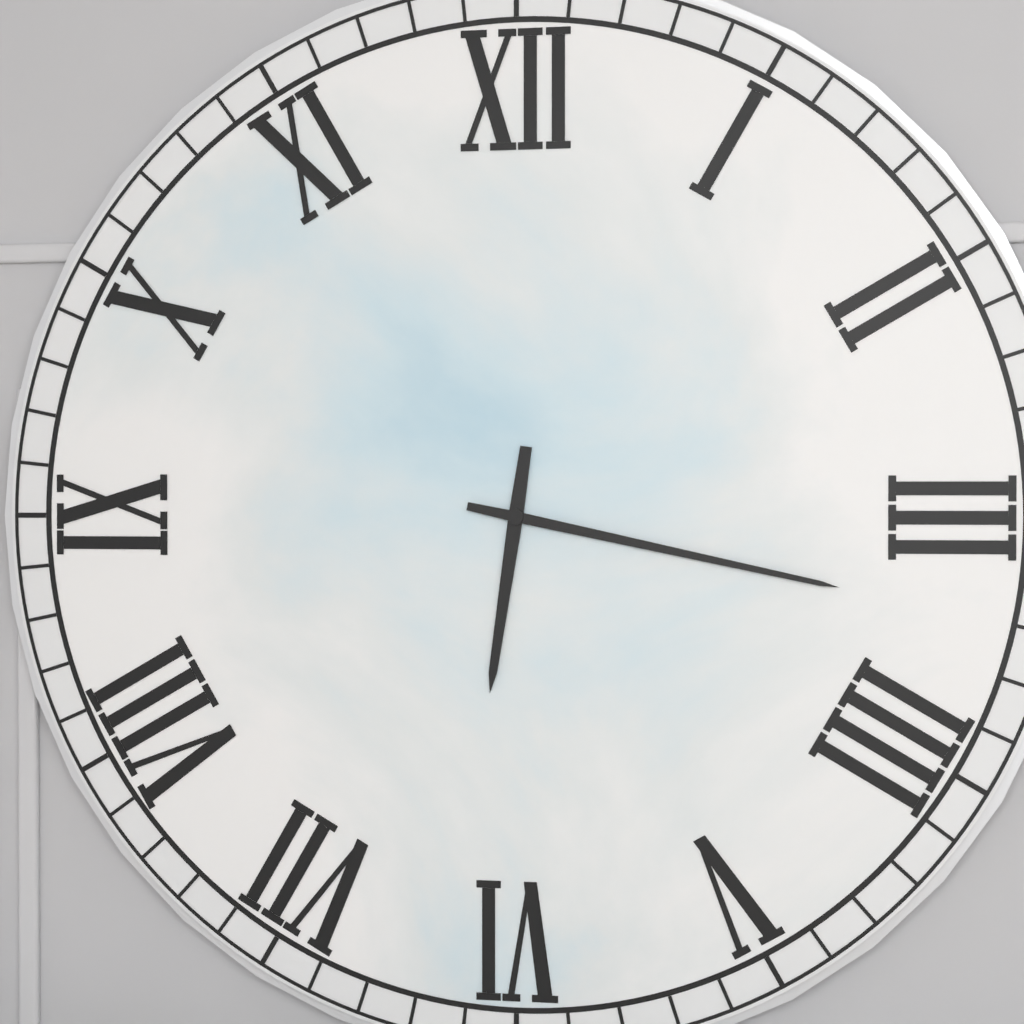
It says 6 h 17 min
